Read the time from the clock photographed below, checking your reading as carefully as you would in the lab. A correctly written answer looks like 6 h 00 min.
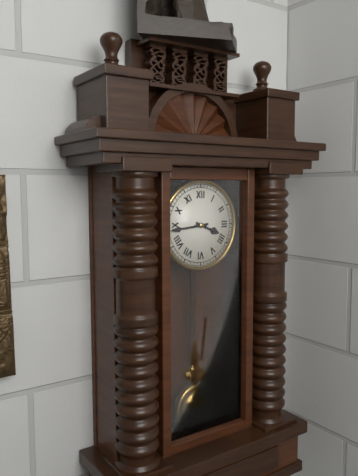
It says 3 h 44 min
